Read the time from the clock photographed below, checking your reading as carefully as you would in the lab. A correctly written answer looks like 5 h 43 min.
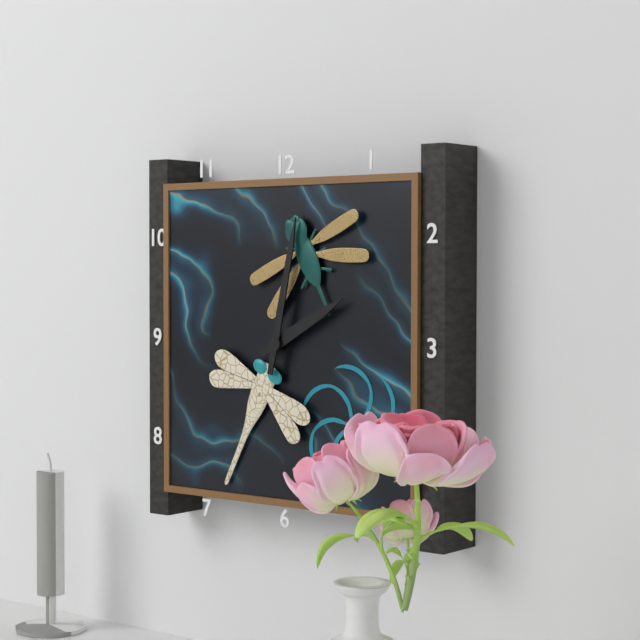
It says 2 h 02 min
